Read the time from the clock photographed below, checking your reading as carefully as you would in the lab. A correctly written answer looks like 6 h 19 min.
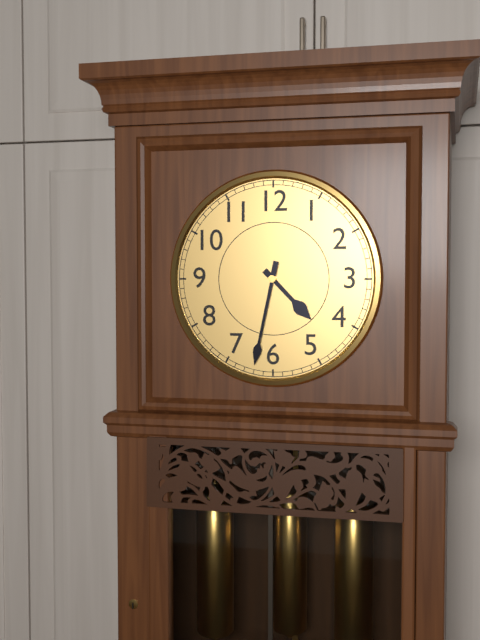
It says 4 h 32 min
